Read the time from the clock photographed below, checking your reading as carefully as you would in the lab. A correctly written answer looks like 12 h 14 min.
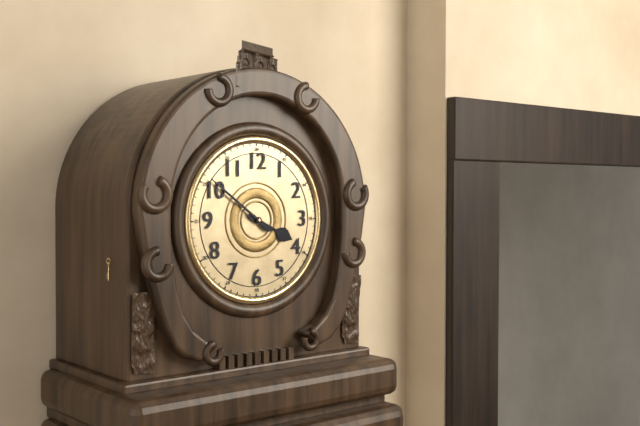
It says 3 h 51 min
